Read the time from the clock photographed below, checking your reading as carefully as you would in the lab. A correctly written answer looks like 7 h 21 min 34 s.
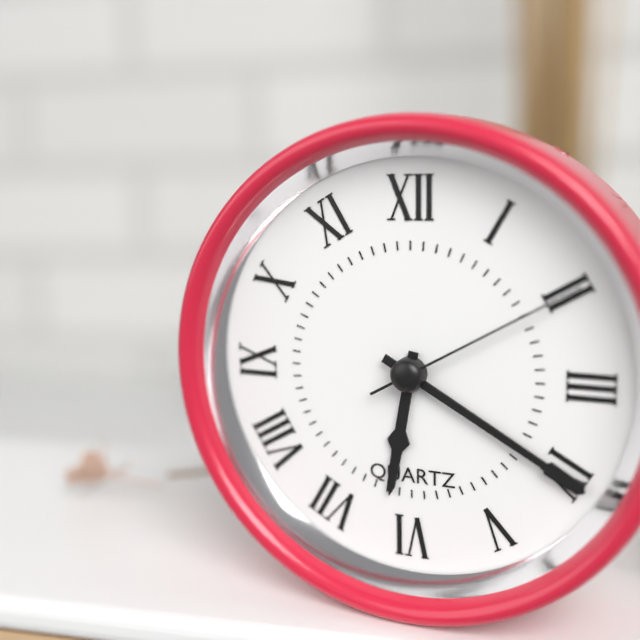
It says 6 h 20 min 10 s
